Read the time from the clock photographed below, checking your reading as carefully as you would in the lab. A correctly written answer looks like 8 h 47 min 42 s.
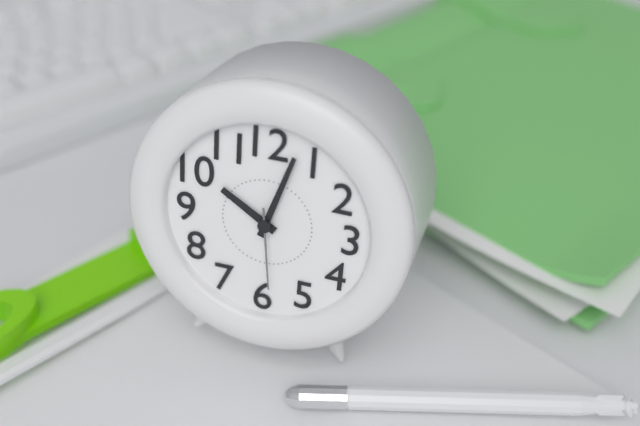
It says 10 h 03 min 29 s
